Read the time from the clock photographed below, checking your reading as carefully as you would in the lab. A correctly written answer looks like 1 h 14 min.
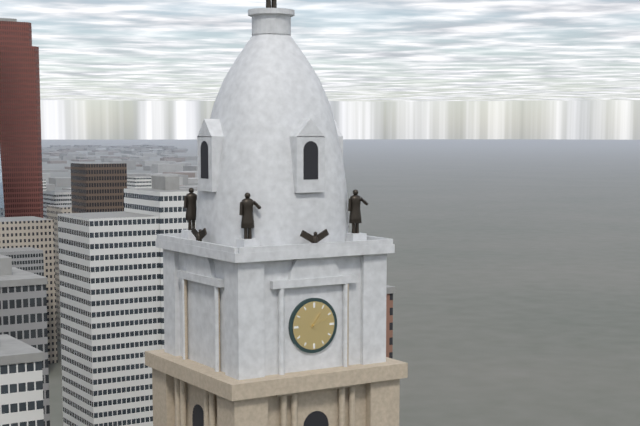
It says 1 h 12 min
